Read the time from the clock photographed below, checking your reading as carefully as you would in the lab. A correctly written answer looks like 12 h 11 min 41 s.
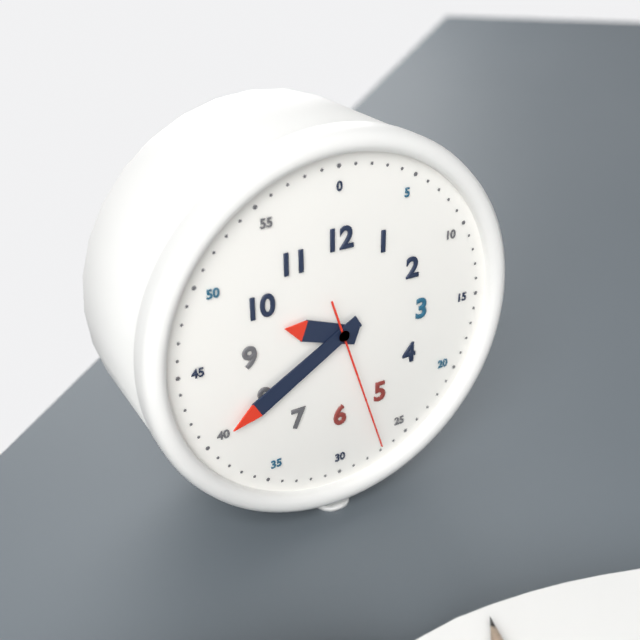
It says 9 h 40 min 27 s
